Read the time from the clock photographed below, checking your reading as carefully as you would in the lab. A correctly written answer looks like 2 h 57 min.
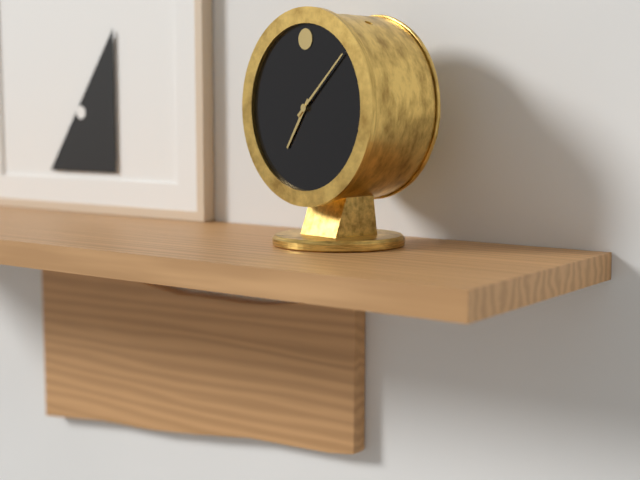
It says 7 h 08 min
